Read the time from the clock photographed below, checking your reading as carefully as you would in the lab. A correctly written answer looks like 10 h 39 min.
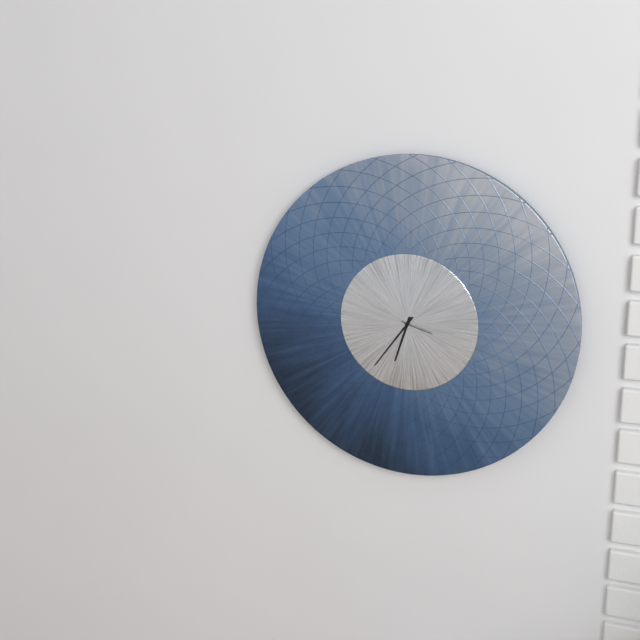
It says 6 h 36 min
